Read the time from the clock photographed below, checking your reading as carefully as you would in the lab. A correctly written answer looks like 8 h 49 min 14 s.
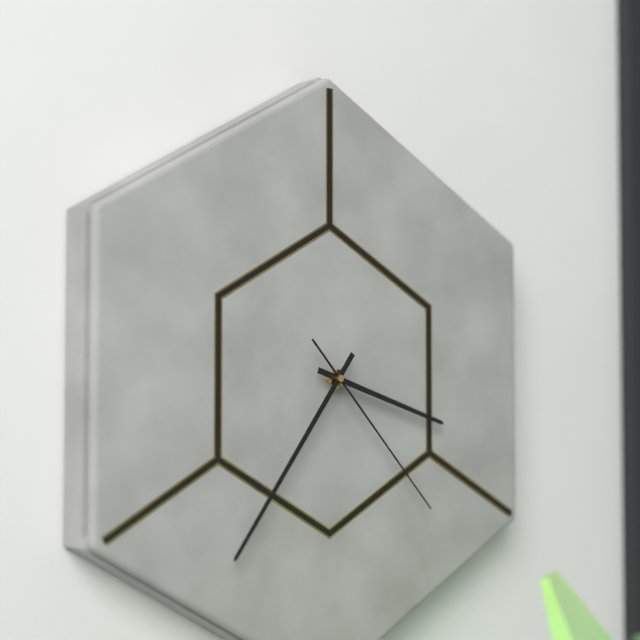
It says 3 h 36 min 23 s
